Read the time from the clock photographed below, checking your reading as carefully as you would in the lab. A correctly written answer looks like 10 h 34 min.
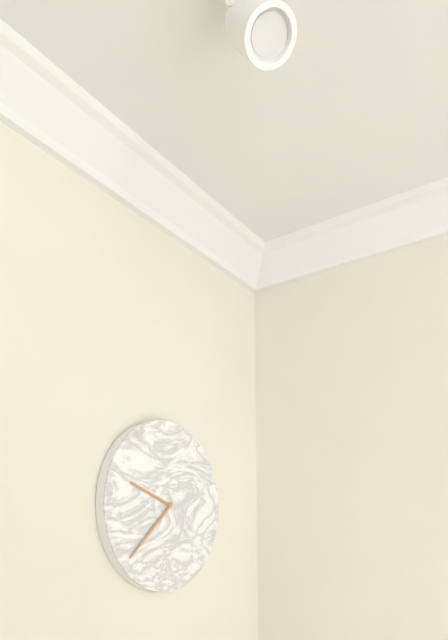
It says 9 h 38 min
